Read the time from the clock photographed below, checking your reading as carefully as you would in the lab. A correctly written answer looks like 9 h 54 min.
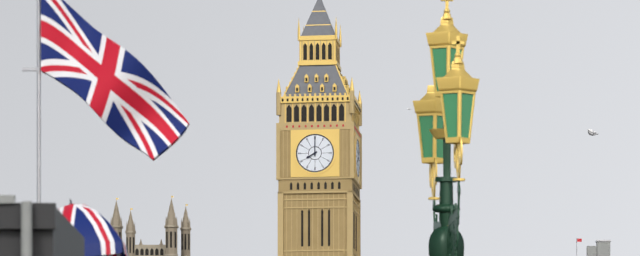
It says 8 h 00 min
